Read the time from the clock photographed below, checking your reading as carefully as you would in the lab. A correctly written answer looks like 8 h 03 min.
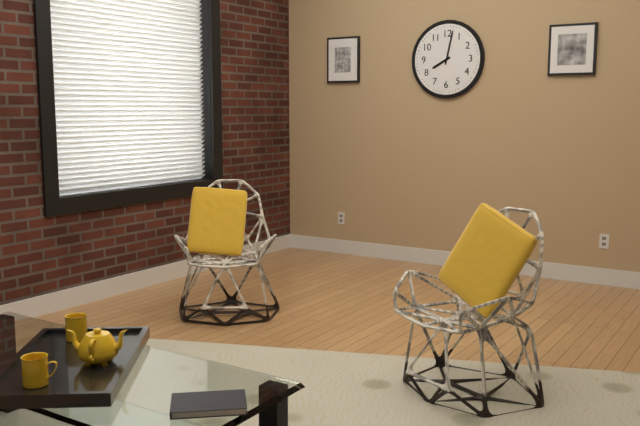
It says 8 h 02 min
